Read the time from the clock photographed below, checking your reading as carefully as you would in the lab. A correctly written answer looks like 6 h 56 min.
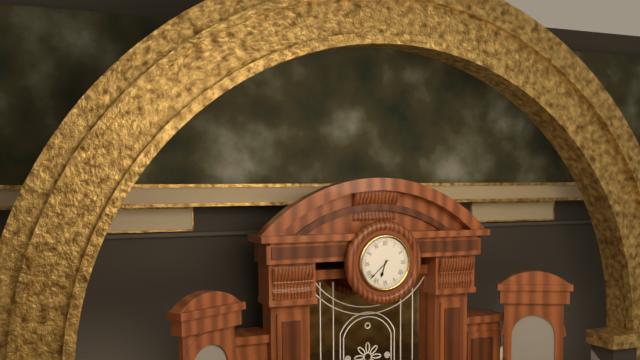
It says 6 h 38 min
